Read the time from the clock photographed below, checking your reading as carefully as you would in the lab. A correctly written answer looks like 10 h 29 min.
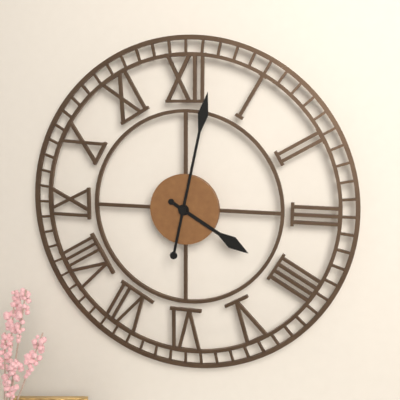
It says 4 h 02 min
